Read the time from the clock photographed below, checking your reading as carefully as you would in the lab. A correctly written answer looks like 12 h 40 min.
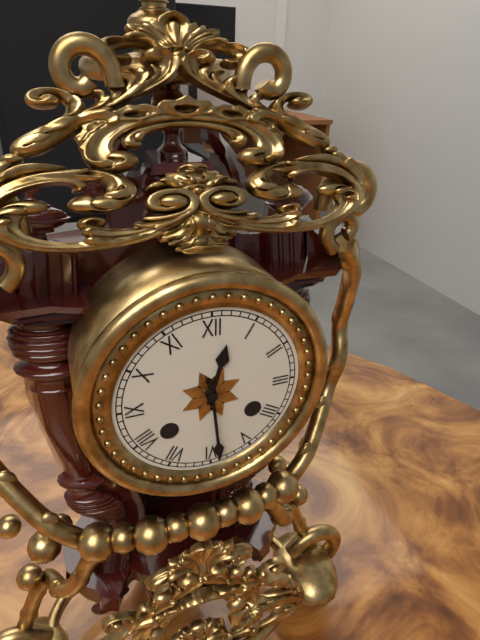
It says 12 h 29 min
